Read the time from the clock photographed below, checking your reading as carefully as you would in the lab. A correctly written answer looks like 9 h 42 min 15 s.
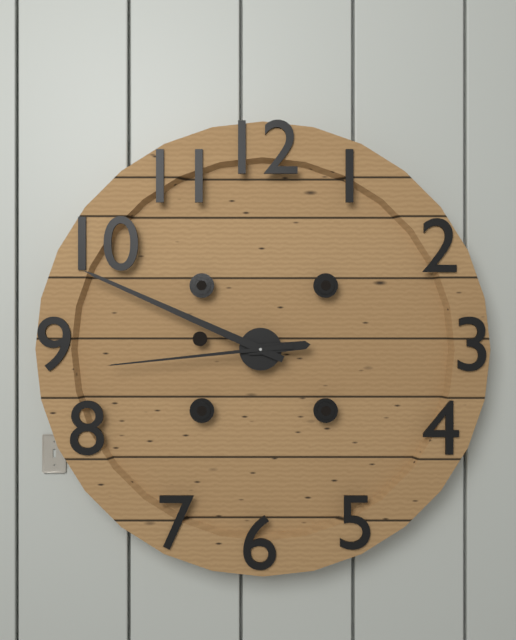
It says 2 h 49 min 44 s
